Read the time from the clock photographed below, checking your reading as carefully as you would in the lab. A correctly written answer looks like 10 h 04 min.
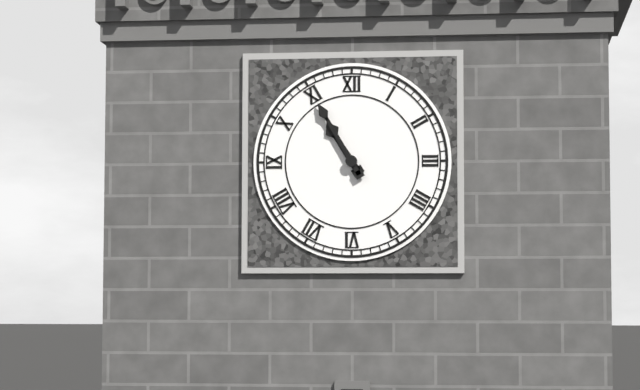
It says 10 h 55 min
